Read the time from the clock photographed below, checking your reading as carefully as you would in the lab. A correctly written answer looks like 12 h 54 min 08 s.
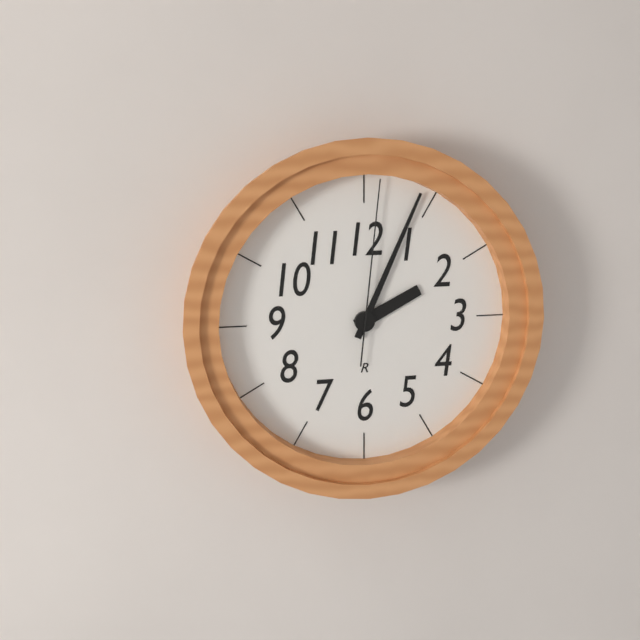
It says 2 h 04 min 01 s
